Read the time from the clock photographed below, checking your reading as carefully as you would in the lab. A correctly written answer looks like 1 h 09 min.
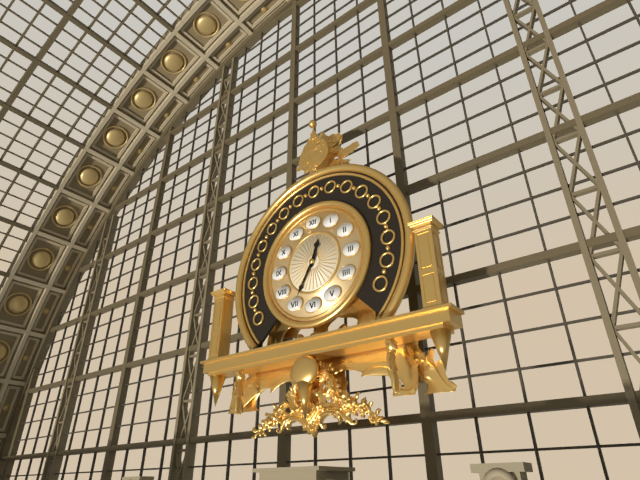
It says 12 h 35 min
